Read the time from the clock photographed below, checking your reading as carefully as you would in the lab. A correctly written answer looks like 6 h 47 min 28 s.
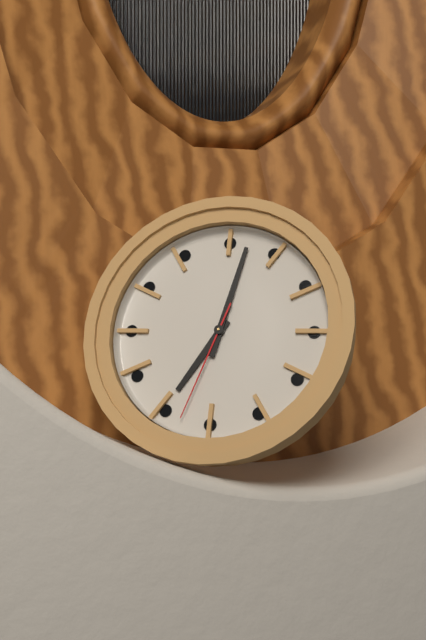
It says 7 h 02 min 33 s
